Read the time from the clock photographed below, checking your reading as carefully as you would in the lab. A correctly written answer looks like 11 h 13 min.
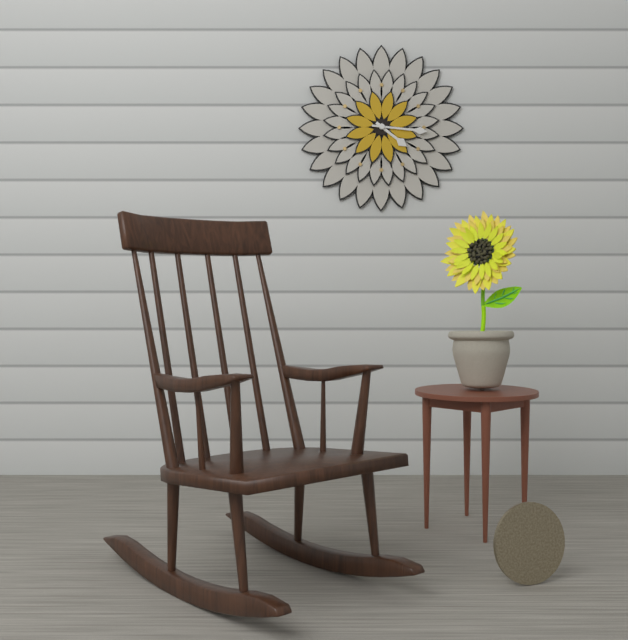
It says 4 h 16 min
